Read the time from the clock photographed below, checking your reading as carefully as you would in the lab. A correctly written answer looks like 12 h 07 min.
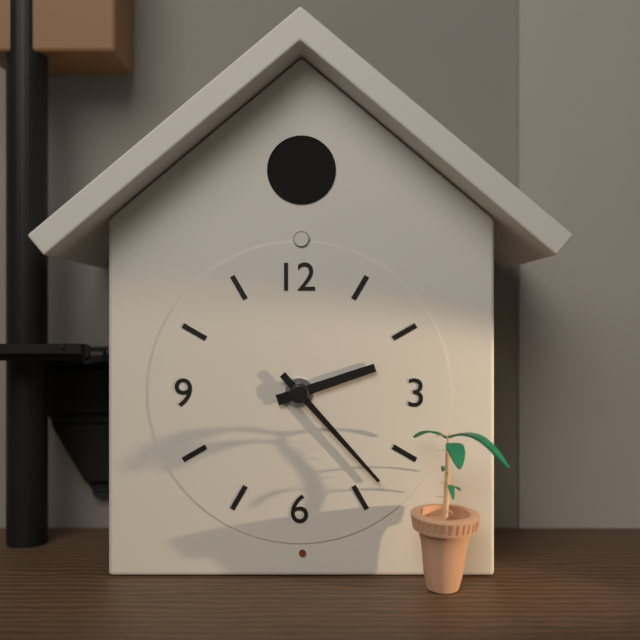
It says 2 h 23 min
